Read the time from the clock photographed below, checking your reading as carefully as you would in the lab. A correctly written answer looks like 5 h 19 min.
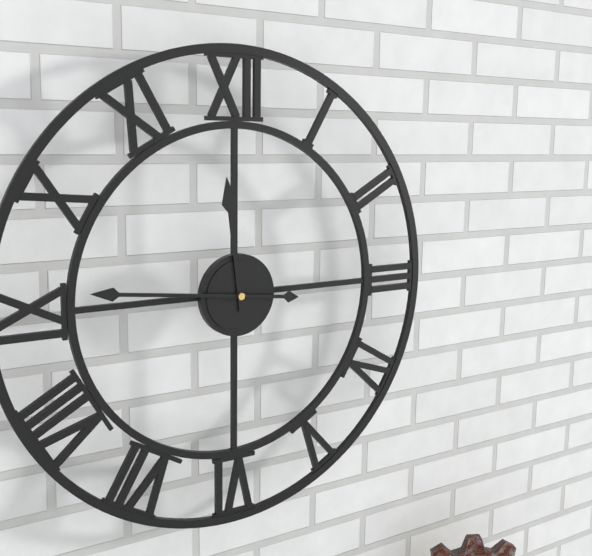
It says 11 h 46 min
